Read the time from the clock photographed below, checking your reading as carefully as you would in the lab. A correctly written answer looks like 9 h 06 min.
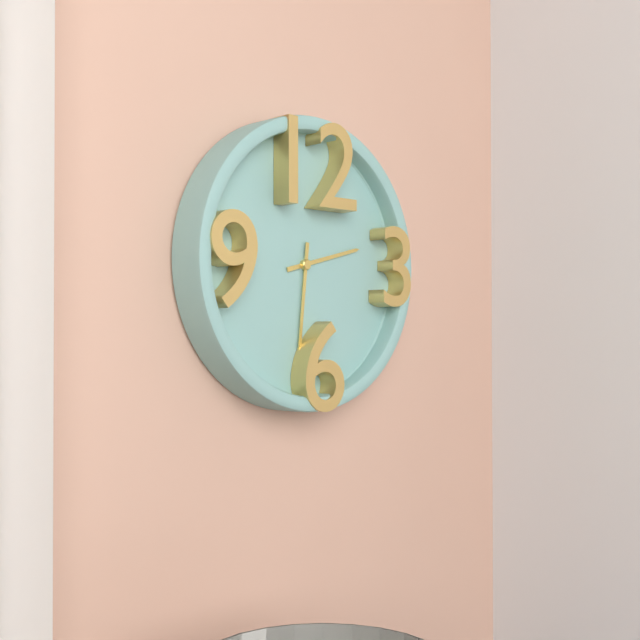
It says 2 h 31 min
